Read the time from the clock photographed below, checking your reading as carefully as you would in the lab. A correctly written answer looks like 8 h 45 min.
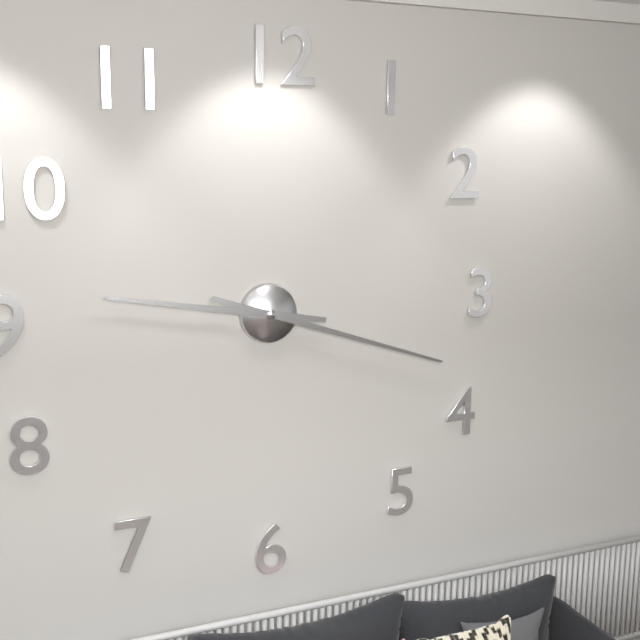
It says 9 h 18 min
